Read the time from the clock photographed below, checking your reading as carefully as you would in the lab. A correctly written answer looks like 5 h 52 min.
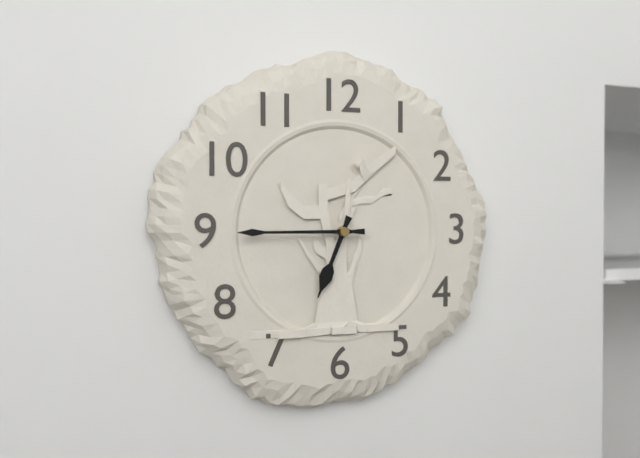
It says 6 h 45 min
